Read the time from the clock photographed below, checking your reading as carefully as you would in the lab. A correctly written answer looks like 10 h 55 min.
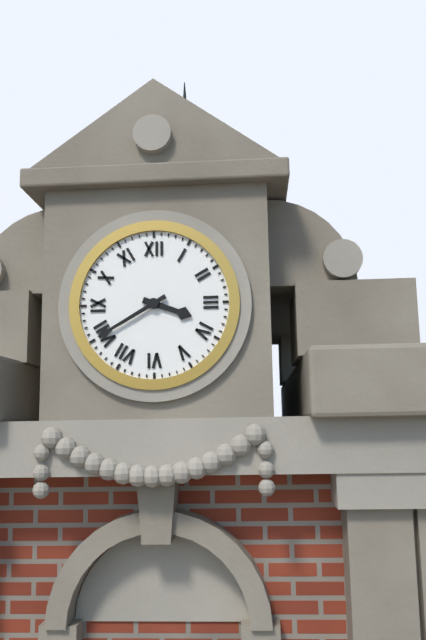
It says 3 h 40 min
